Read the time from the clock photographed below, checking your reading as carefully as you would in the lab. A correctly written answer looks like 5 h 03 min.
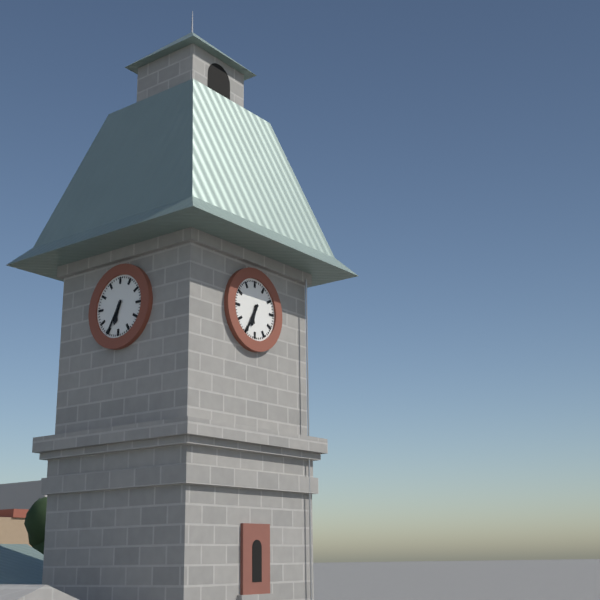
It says 6 h 35 min
